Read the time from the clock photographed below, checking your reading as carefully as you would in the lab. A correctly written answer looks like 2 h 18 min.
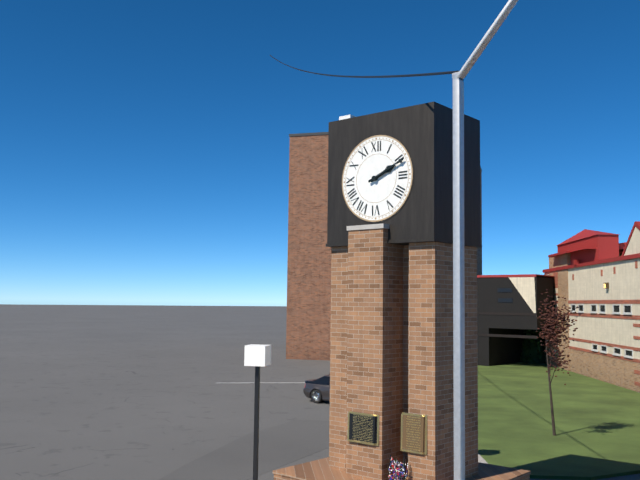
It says 2 h 11 min
